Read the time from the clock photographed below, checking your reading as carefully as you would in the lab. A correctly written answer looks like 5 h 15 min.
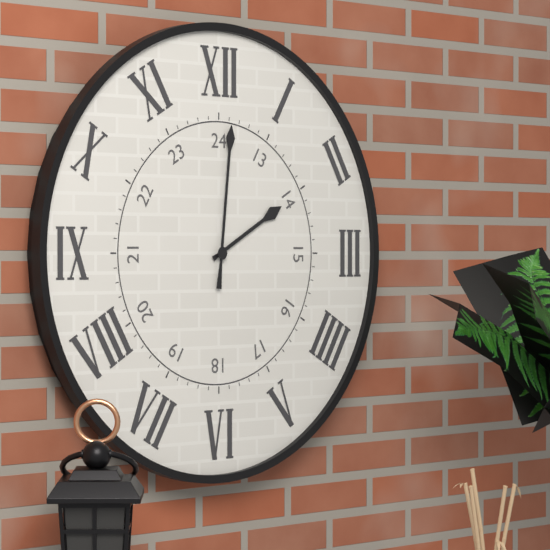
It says 2 h 01 min
